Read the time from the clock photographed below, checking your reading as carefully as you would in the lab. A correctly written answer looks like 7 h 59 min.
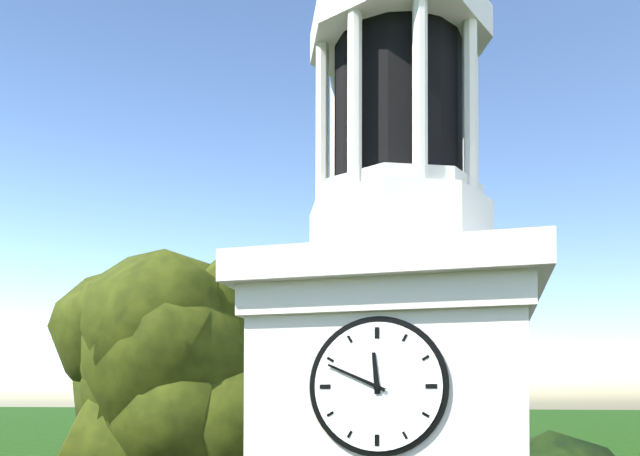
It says 11 h 49 min
